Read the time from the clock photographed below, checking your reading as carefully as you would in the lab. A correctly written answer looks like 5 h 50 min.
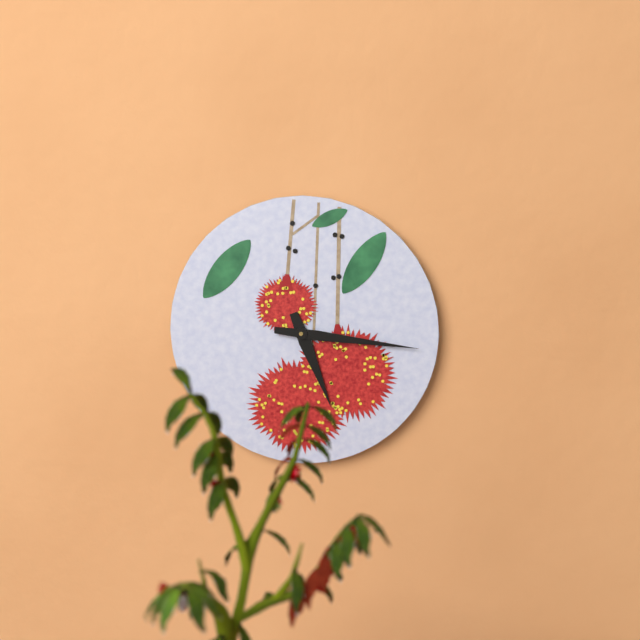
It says 5 h 16 min
